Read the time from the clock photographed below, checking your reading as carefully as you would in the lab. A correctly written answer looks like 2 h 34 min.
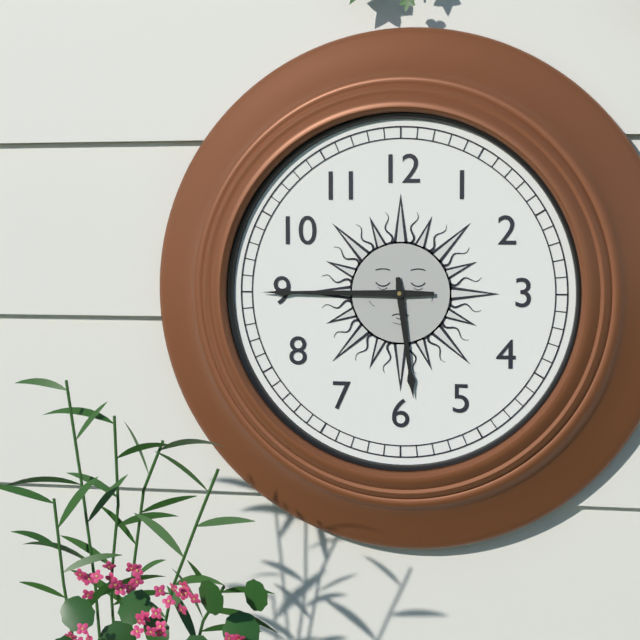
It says 5 h 45 min
